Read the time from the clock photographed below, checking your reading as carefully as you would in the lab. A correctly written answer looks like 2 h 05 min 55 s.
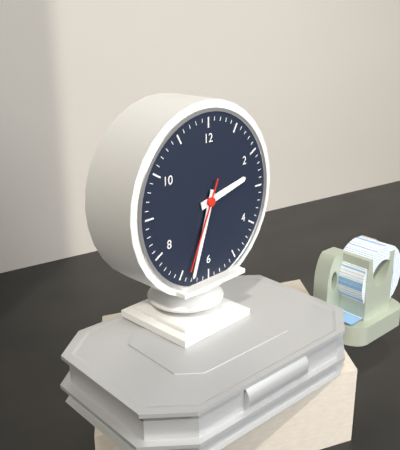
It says 2 h 33 min 34 s
